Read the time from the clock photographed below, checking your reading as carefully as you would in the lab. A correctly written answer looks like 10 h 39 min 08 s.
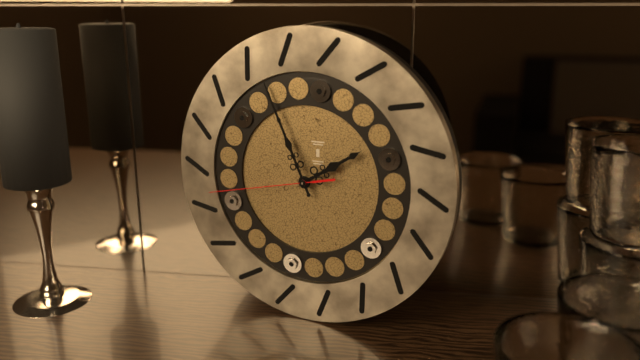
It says 1 h 56 min 43 s
